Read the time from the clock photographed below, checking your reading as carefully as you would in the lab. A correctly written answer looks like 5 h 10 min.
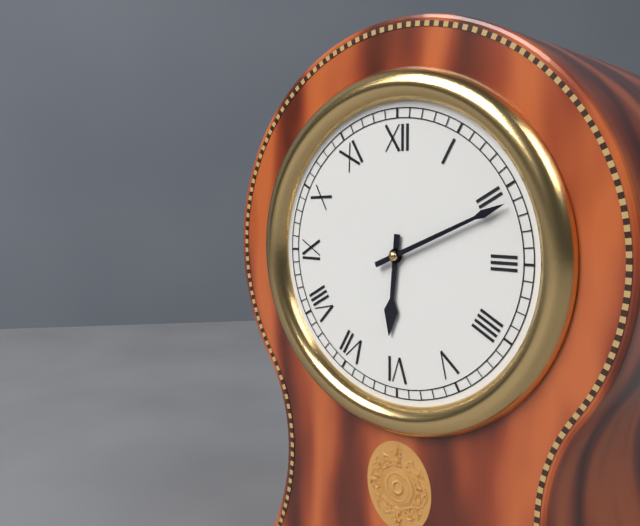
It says 6 h 11 min
